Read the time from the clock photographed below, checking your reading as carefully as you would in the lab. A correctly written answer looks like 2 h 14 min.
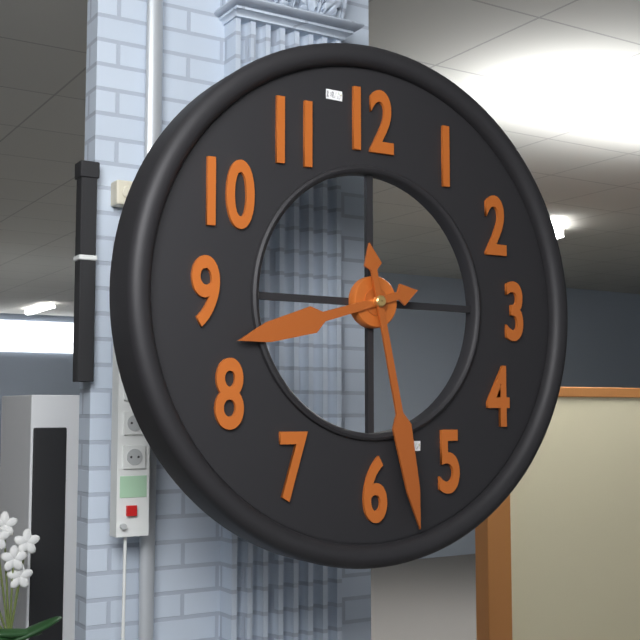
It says 8 h 28 min
